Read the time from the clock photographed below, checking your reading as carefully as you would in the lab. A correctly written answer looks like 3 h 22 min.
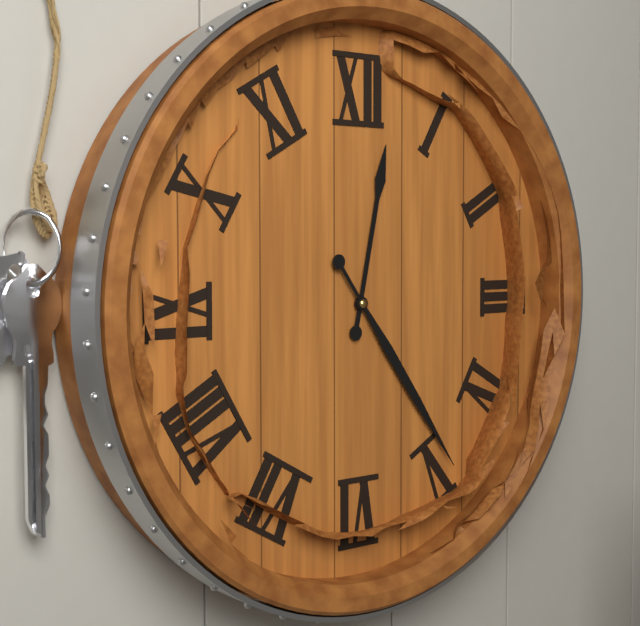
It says 12 h 24 min
